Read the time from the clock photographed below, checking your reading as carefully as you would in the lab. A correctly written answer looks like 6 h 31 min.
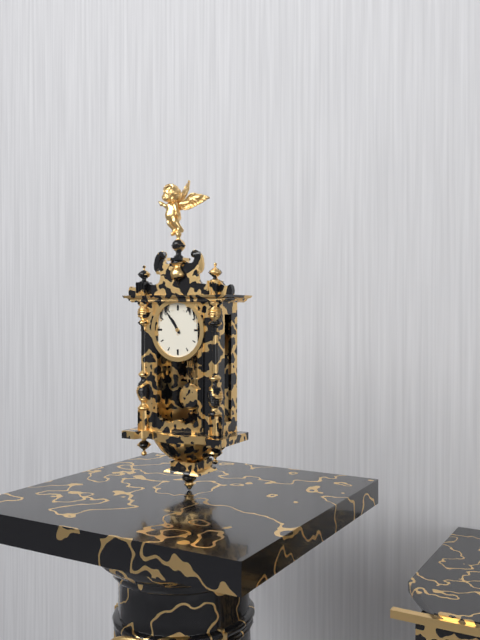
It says 10 h 54 min
